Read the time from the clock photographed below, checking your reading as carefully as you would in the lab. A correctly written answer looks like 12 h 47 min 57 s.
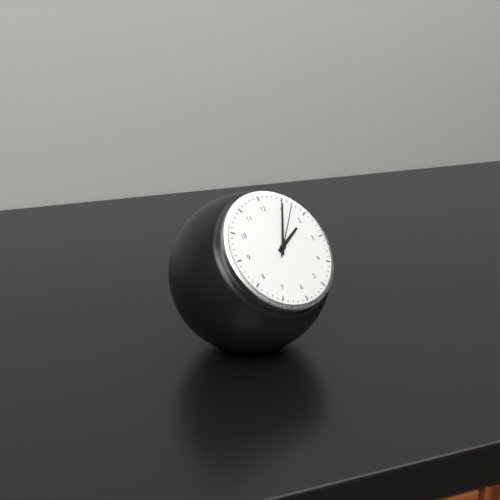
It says 2 h 05 min 07 s
